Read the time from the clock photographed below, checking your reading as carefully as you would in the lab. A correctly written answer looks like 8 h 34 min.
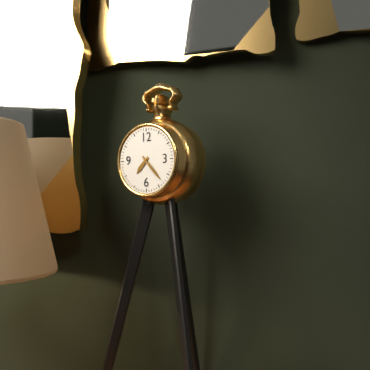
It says 7 h 23 min
